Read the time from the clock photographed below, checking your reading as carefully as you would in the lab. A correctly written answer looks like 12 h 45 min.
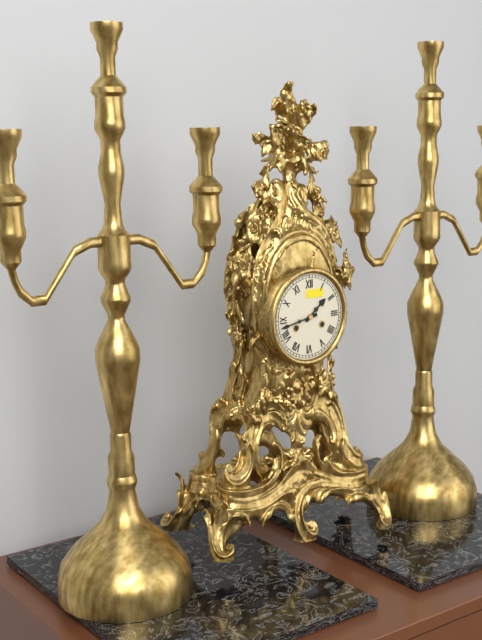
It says 1 h 43 min
